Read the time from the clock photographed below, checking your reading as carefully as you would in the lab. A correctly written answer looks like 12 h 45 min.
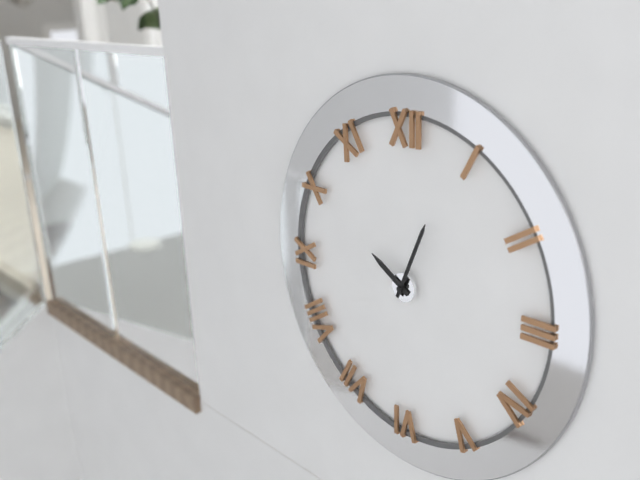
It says 10 h 04 min
